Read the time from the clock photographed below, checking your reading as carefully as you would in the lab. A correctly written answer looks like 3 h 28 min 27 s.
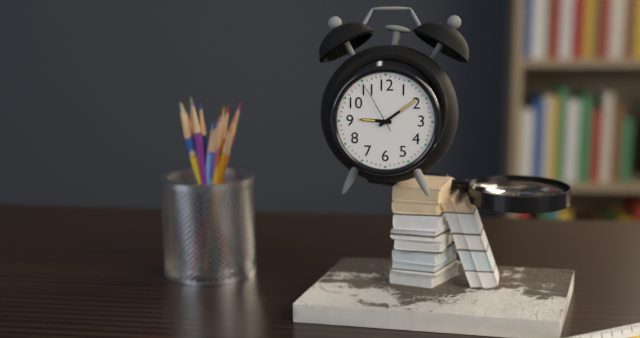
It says 9 h 09 min 55 s
